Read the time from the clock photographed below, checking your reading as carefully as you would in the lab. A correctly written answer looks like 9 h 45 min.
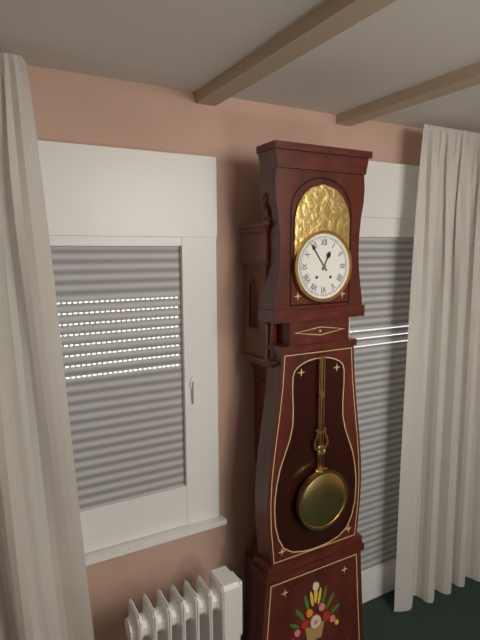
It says 12 h 54 min
